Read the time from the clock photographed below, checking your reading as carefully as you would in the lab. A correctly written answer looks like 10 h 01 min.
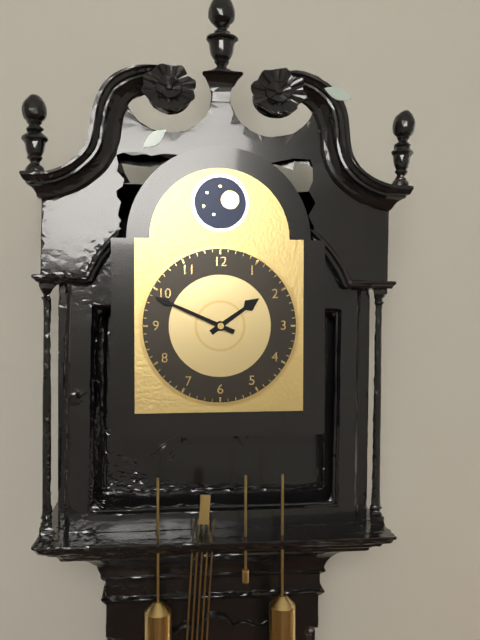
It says 1 h 49 min
